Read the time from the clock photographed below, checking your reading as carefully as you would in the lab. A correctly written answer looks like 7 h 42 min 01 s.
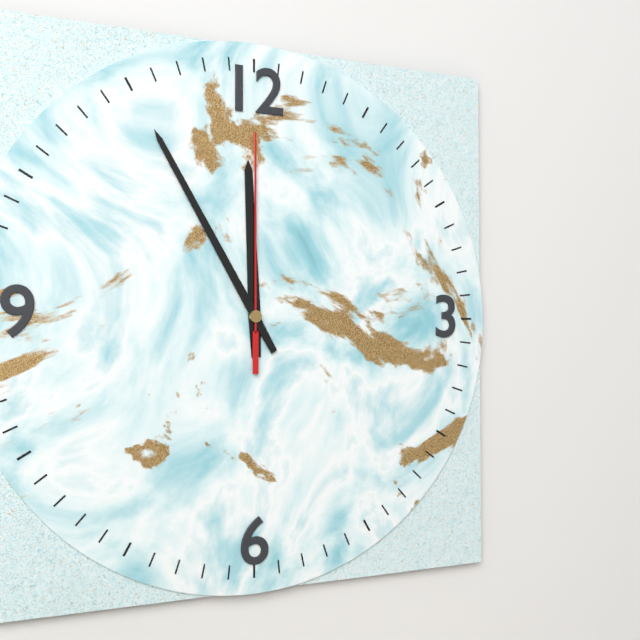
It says 11 h 55 min 00 s
